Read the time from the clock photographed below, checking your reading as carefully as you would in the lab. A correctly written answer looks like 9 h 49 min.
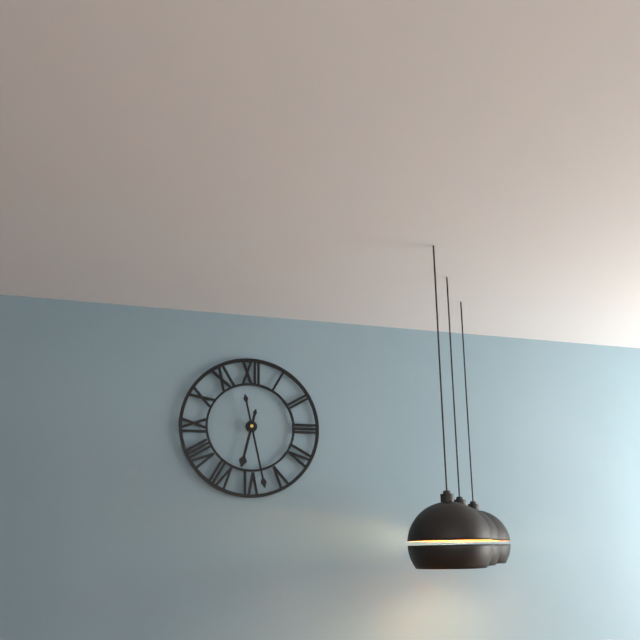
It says 6 h 28 min
